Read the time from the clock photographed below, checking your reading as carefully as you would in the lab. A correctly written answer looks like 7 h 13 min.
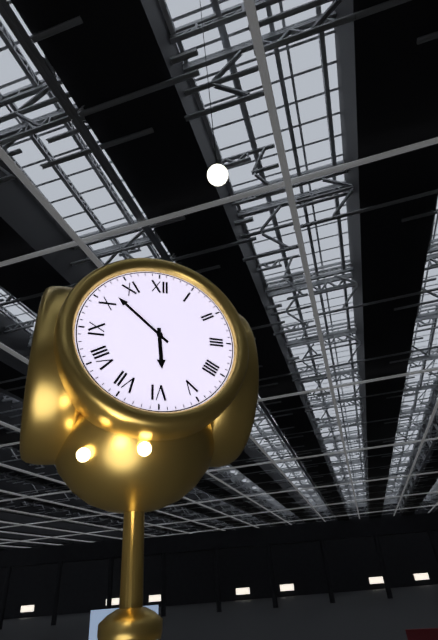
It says 5 h 52 min
